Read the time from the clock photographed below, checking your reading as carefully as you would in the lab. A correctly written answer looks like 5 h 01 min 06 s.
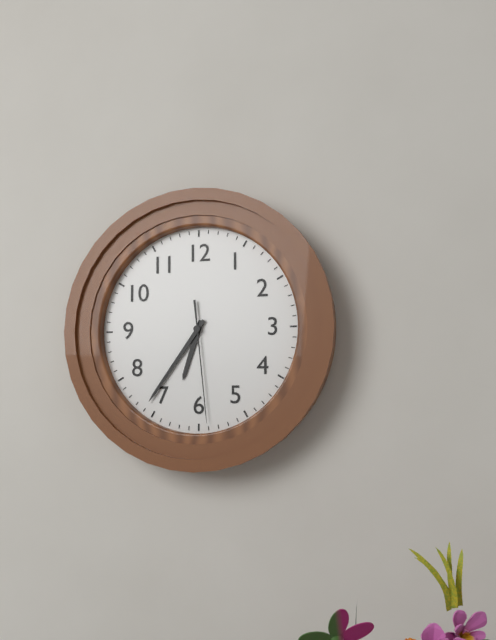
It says 6 h 36 min 29 s
